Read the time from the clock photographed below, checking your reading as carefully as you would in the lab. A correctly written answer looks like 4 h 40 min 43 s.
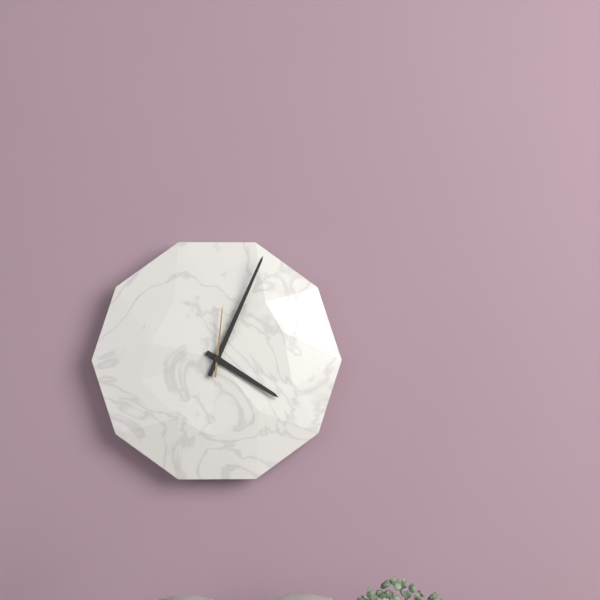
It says 4 h 04 min 01 s
